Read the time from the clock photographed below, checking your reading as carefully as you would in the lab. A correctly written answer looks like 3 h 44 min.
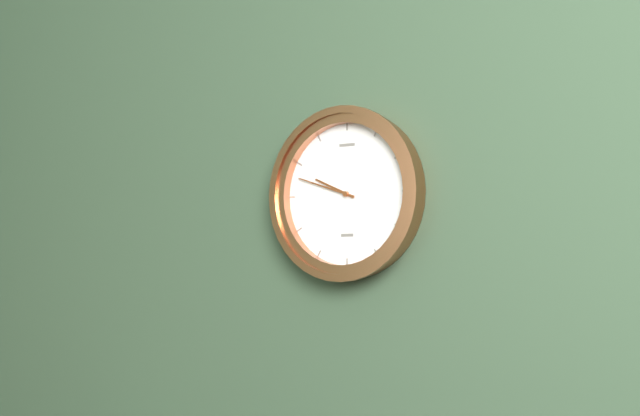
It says 9 h 48 min
